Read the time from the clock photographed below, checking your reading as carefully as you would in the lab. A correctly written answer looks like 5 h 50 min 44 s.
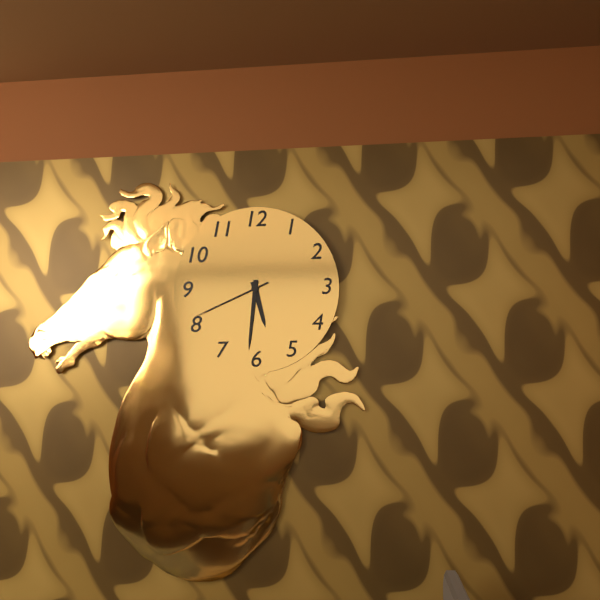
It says 5 h 31 min 41 s
